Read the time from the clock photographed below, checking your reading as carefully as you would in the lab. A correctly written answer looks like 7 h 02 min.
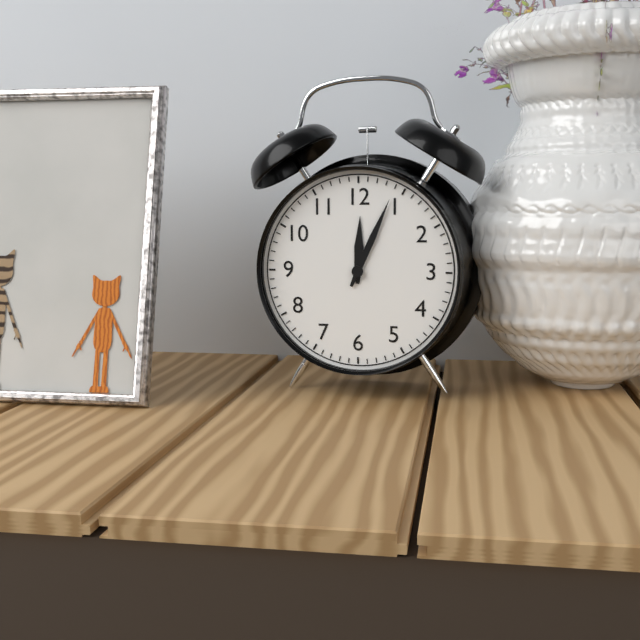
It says 12 h 04 min
